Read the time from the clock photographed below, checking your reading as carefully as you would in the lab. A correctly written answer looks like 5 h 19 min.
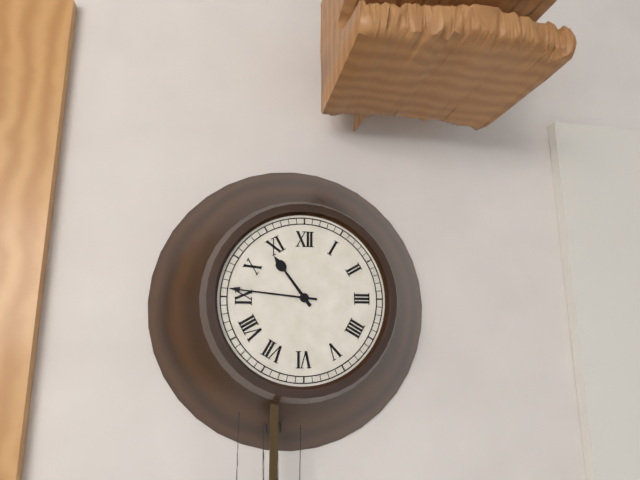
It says 10 h 46 min
